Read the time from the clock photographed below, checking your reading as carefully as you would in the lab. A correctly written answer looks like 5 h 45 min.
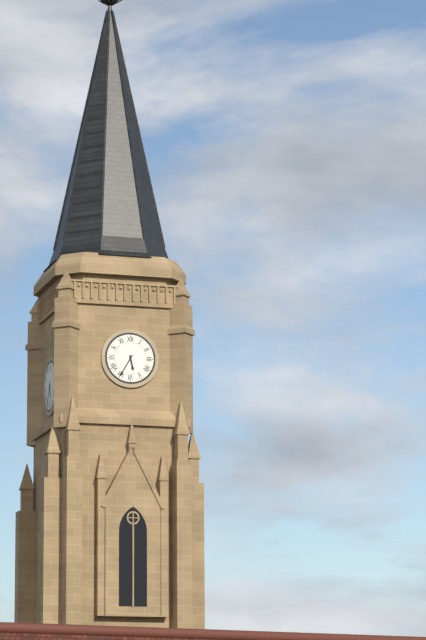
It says 5 h 35 min
